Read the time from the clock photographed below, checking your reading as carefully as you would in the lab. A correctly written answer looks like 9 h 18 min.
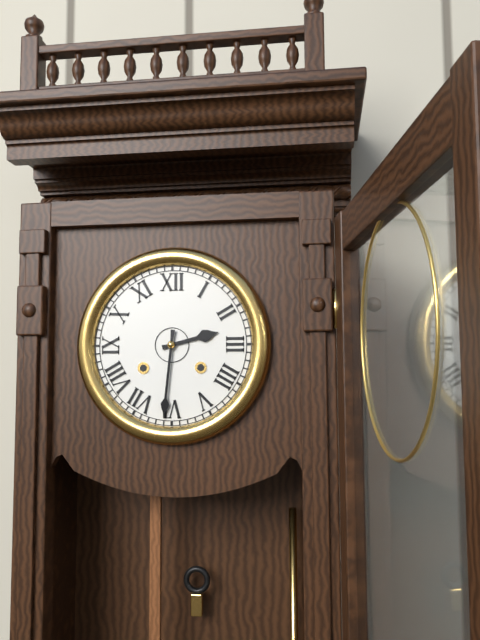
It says 2 h 31 min
